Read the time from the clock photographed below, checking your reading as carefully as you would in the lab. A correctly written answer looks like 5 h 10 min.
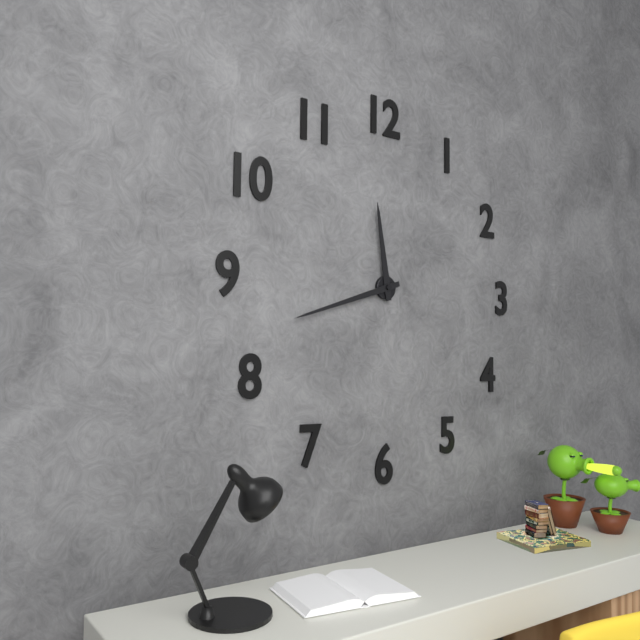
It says 11 h 42 min
